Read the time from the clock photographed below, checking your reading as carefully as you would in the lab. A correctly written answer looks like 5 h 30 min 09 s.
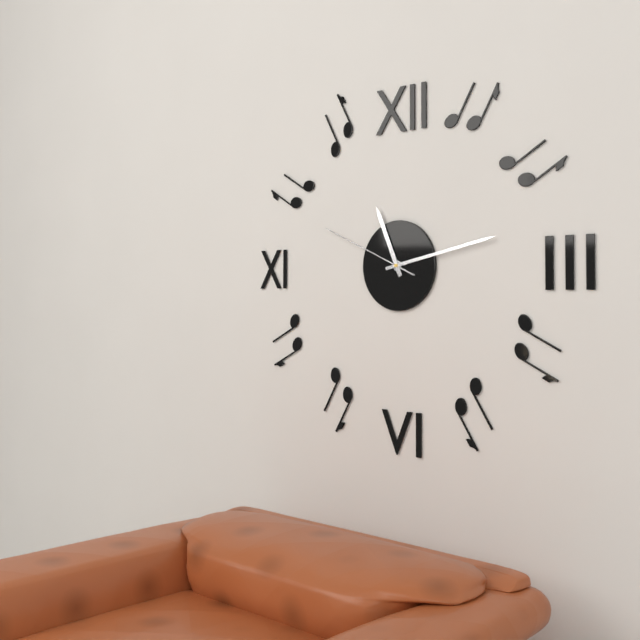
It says 11 h 13 min 49 s
